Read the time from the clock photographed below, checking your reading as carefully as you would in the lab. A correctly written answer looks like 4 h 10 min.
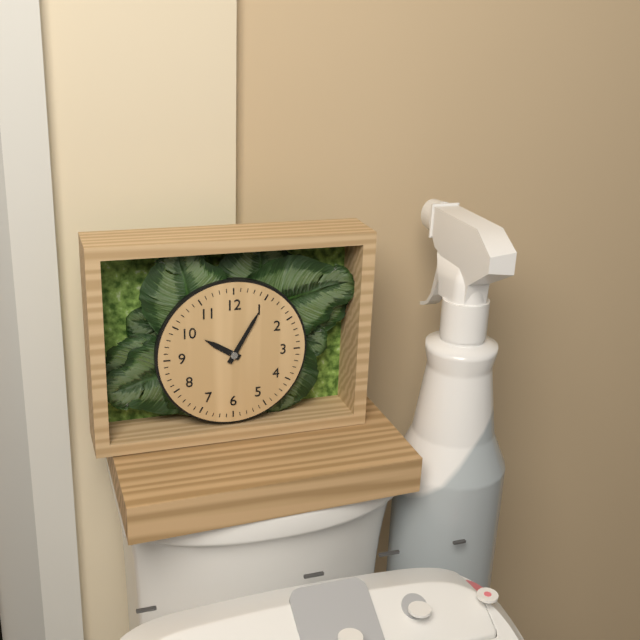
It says 10 h 05 min
